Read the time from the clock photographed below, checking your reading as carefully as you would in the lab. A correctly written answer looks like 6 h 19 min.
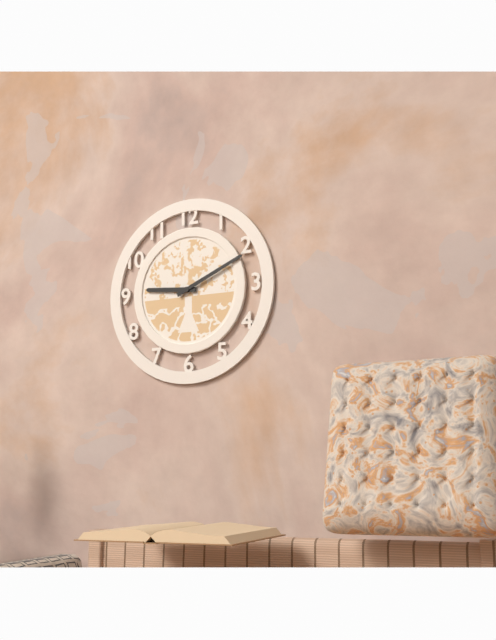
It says 9 h 11 min
